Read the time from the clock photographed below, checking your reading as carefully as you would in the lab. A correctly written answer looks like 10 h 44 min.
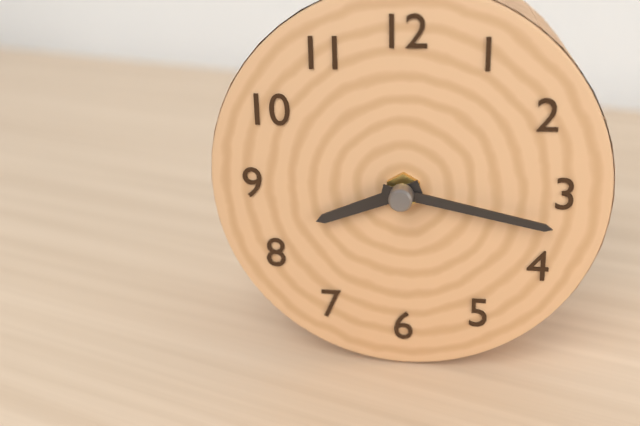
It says 8 h 17 min
